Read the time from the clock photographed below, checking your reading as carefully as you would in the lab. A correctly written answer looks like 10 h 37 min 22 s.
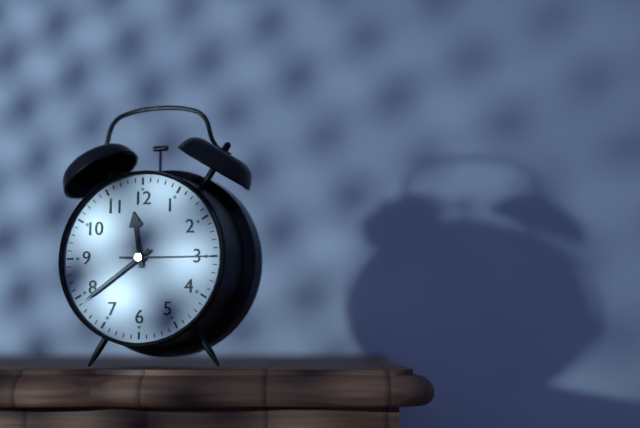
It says 11 h 39 min 15 s
